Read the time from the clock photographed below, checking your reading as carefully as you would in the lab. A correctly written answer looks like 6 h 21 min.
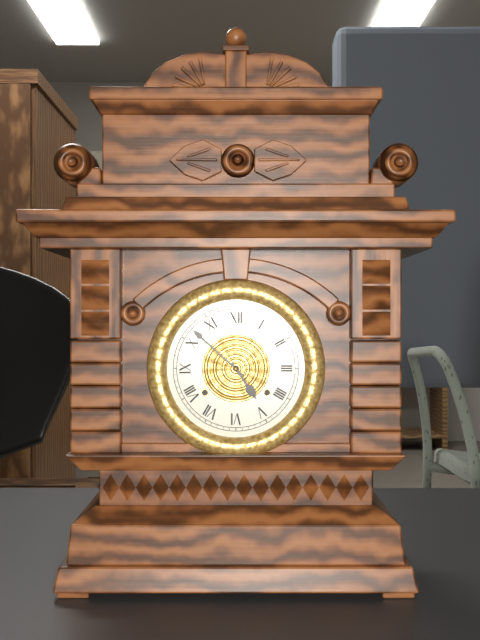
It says 4 h 52 min
